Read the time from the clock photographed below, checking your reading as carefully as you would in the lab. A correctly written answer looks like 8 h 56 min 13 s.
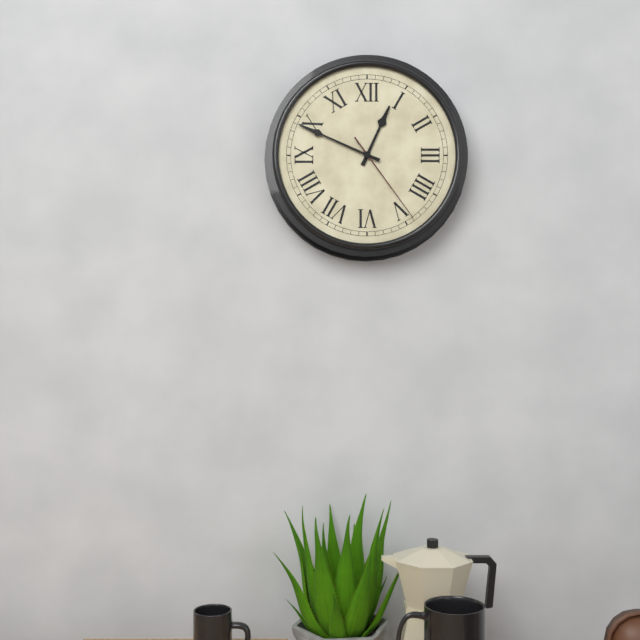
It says 12 h 49 min 24 s
